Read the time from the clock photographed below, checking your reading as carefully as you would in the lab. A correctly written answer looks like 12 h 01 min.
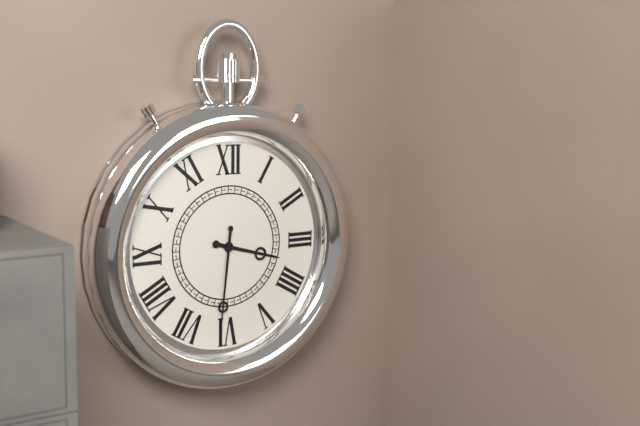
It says 3 h 31 min
